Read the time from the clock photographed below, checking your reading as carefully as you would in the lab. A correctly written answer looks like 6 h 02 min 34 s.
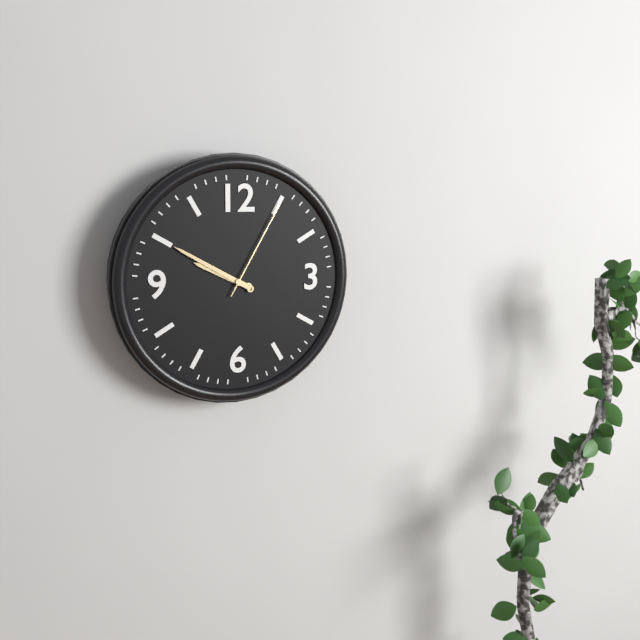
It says 9 h 50 min 05 s
